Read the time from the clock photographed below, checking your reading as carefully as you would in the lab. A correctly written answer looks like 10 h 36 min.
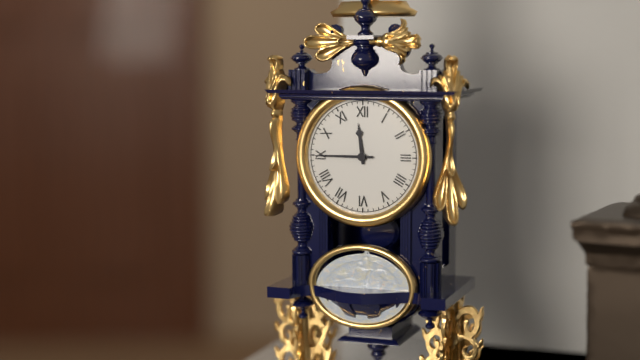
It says 11 h 45 min
